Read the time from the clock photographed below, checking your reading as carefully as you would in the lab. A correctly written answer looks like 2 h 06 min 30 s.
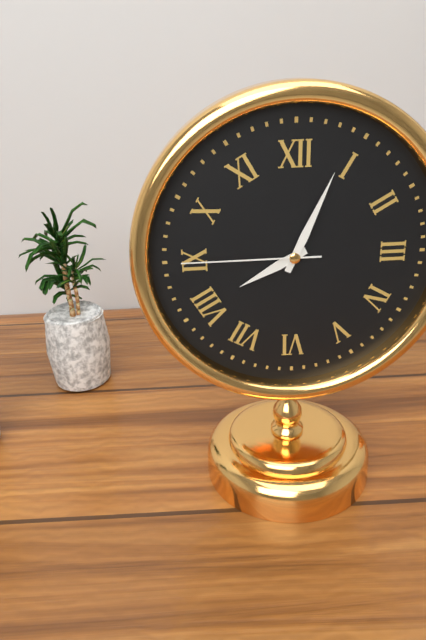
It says 8 h 04 min 45 s
